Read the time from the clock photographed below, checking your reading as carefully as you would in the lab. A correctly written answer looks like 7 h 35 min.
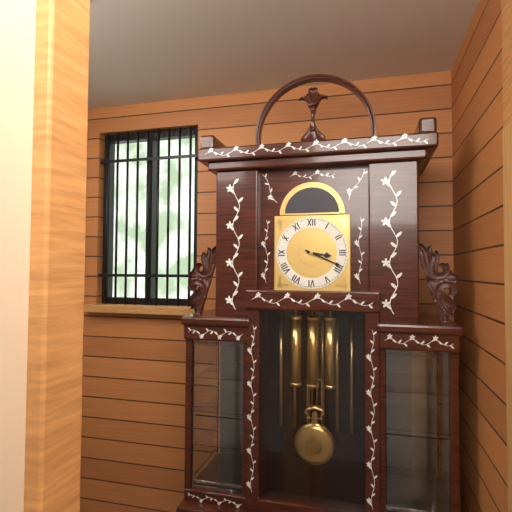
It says 3 h 19 min
